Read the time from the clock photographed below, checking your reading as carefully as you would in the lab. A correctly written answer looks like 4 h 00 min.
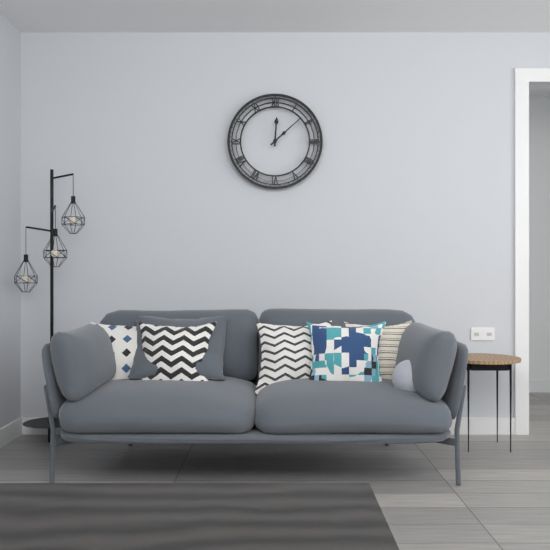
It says 12 h 08 min
